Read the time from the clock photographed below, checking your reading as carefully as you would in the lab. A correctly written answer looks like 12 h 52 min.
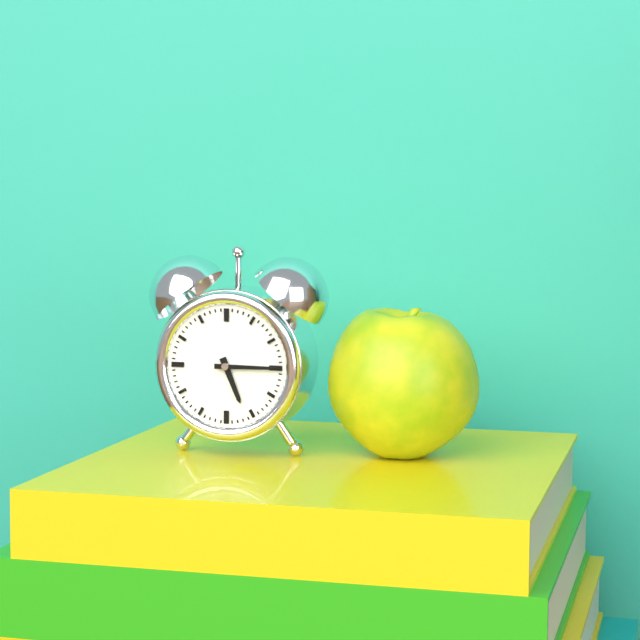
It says 5 h 15 min
